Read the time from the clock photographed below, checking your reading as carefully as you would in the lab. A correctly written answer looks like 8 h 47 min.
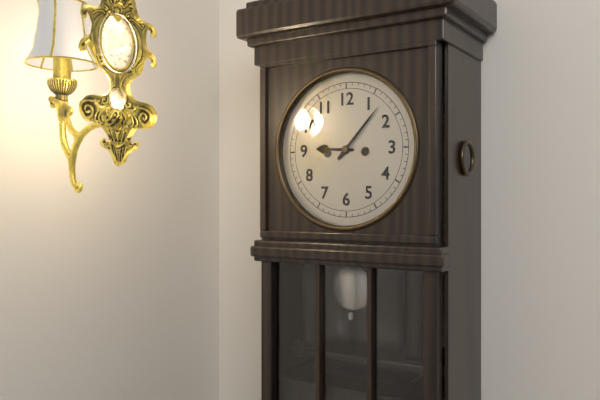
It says 9 h 07 min
